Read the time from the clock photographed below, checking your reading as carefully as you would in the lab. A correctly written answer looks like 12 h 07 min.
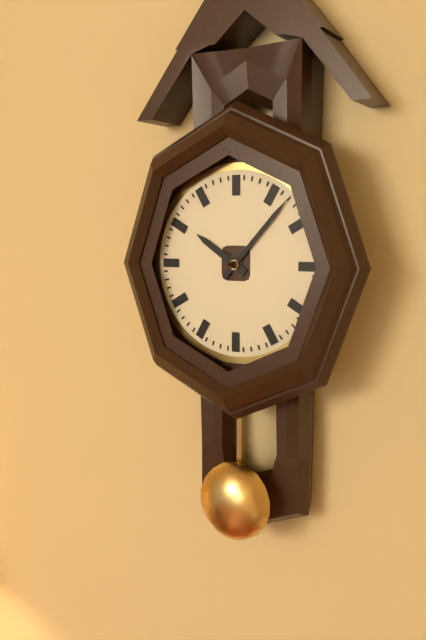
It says 10 h 07 min
